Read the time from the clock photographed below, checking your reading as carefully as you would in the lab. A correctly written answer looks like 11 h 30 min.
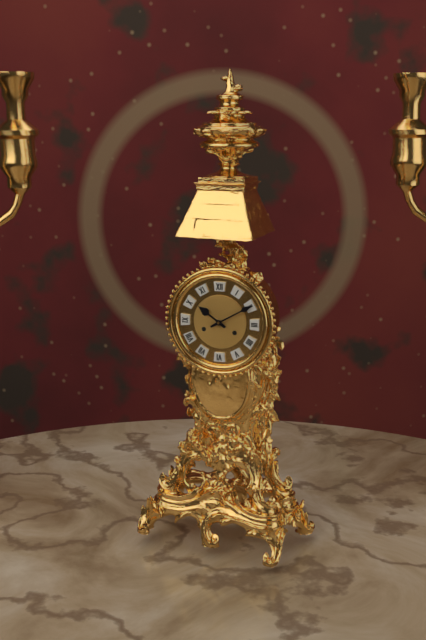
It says 10 h 10 min
